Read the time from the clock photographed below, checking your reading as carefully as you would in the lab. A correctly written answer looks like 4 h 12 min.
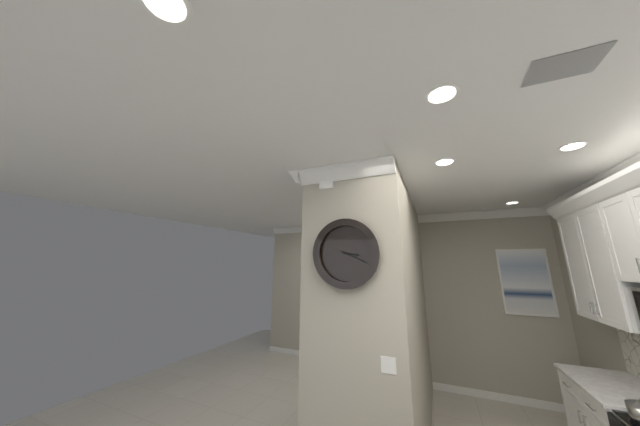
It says 3 h 19 min
